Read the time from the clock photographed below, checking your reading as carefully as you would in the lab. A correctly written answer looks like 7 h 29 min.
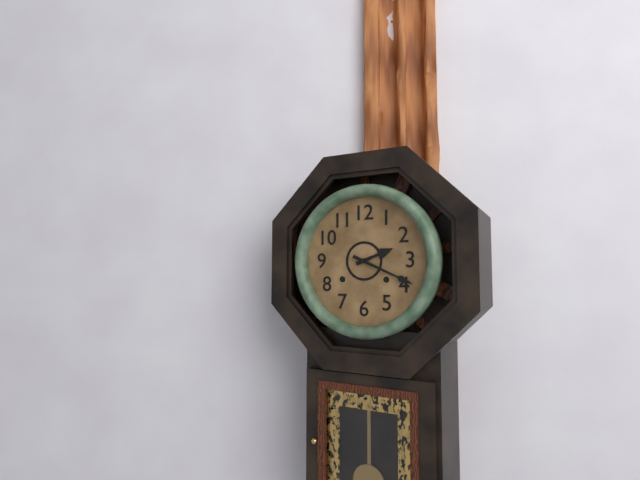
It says 2 h 19 min
